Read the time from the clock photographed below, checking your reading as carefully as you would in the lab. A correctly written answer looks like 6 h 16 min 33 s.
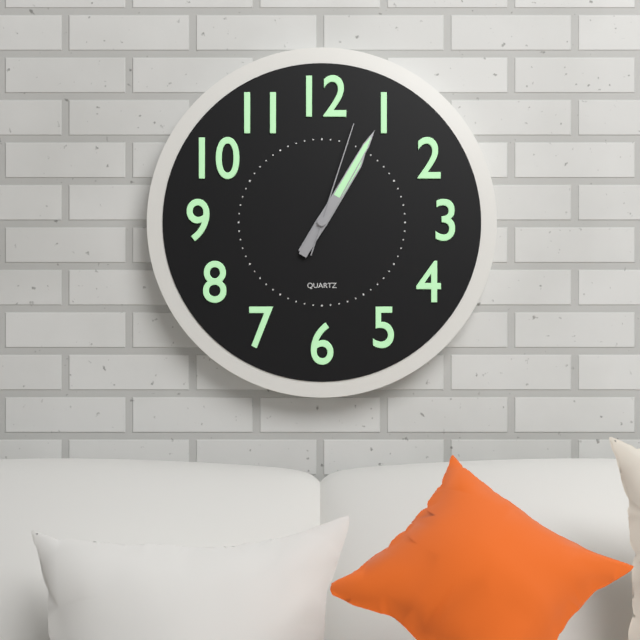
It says 1 h 05 min 03 s
